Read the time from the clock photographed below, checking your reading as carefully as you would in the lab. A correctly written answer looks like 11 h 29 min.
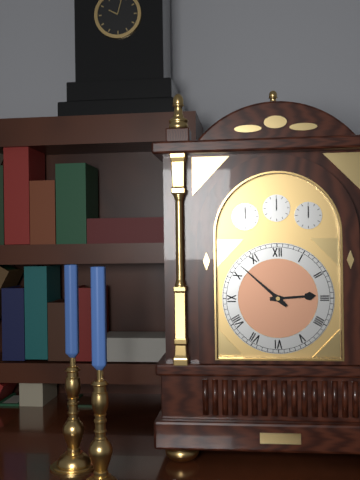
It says 2 h 52 min
